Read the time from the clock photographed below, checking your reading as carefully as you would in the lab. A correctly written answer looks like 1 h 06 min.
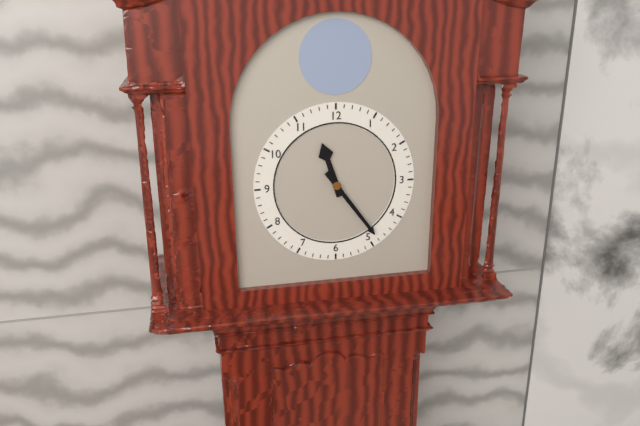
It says 11 h 24 min
